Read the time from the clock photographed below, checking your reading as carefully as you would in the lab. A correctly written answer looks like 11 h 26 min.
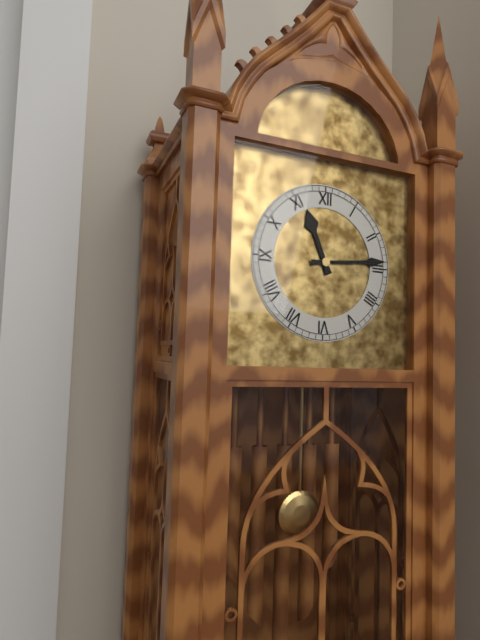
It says 11 h 14 min
